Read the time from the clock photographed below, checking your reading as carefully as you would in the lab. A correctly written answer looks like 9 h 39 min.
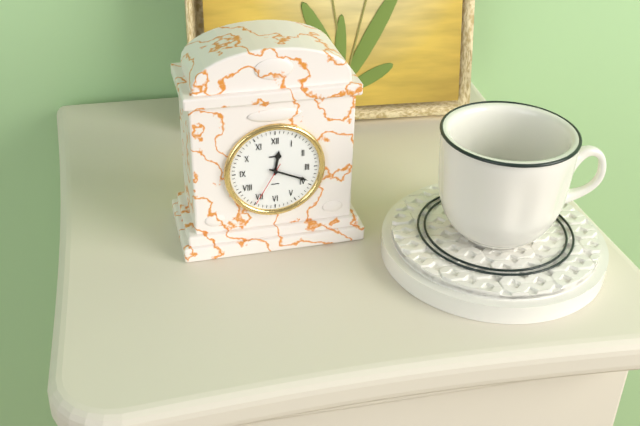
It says 12 h 19 min
